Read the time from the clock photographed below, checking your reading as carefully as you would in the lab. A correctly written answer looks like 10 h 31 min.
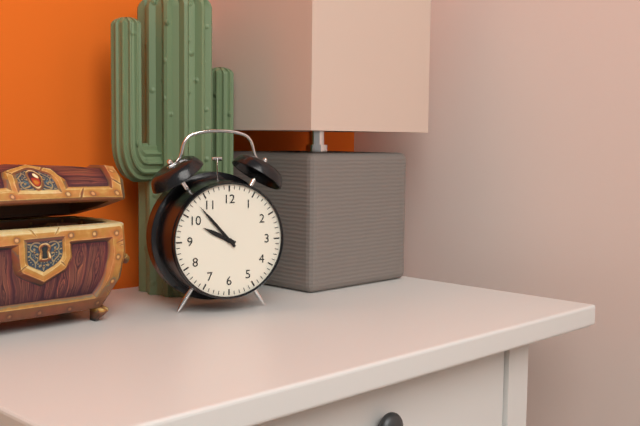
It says 9 h 53 min
